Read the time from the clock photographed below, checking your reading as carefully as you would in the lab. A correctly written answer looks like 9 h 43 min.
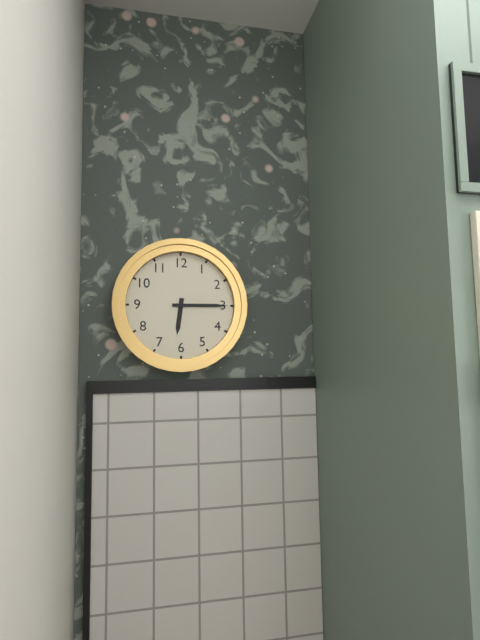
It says 6 h 15 min
